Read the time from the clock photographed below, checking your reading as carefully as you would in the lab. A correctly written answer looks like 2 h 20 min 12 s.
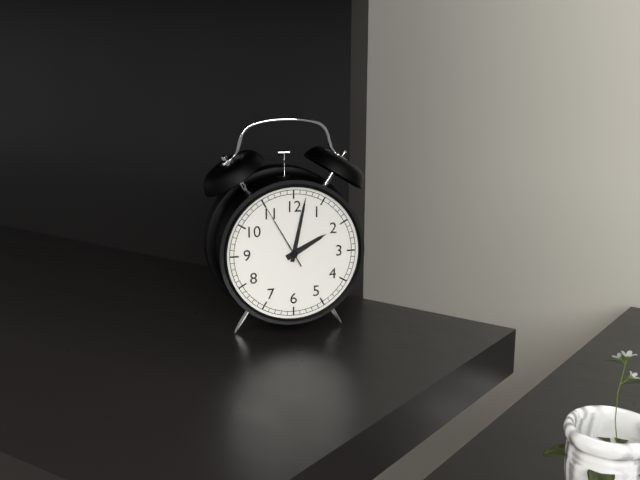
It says 2 h 02 min 55 s
